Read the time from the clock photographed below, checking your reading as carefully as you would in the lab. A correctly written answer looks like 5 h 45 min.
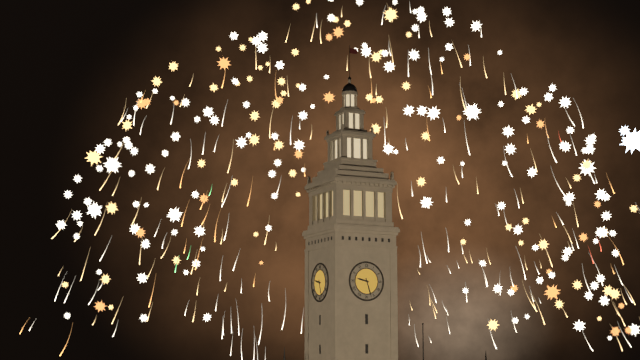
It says 9 h 27 min
